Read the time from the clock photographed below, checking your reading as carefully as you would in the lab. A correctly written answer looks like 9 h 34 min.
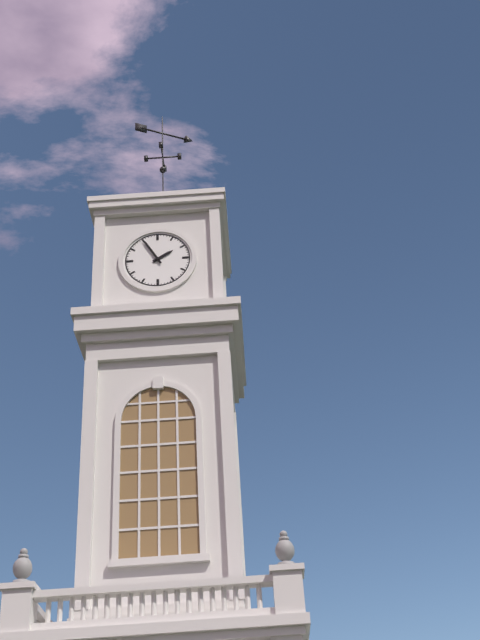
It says 1 h 55 min
